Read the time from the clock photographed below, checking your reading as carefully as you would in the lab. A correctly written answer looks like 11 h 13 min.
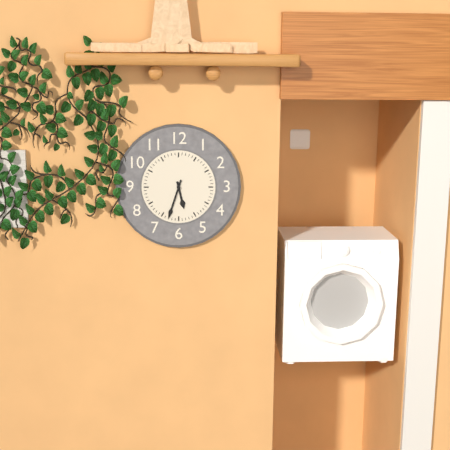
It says 5 h 33 min
